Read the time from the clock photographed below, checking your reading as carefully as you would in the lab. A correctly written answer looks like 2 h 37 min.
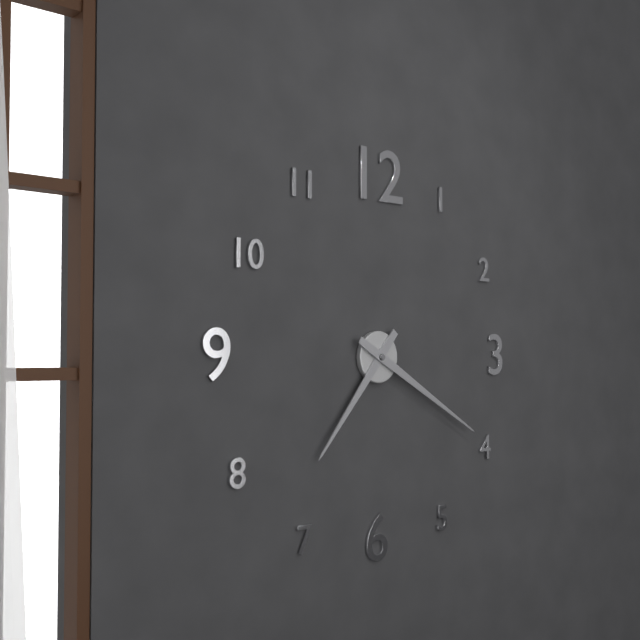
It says 7 h 20 min
